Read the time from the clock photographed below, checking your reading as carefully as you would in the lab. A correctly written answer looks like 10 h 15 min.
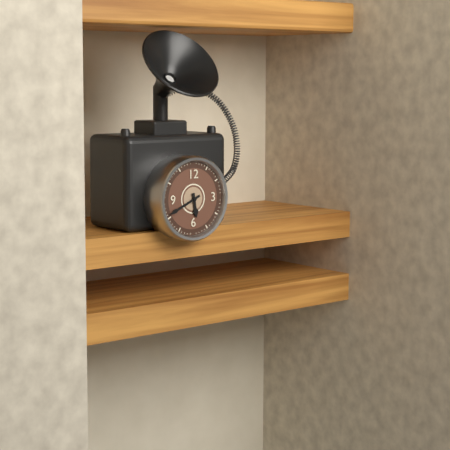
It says 5 h 41 min
